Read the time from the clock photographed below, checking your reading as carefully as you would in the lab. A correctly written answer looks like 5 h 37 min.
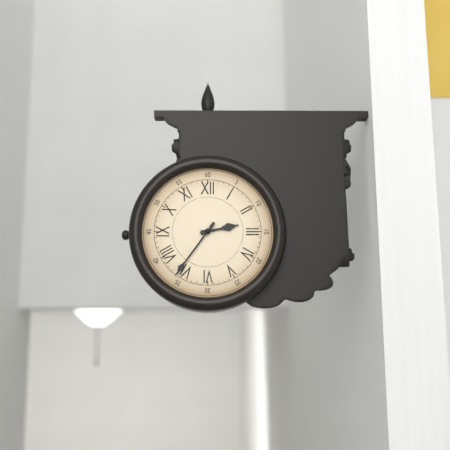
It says 2 h 36 min
